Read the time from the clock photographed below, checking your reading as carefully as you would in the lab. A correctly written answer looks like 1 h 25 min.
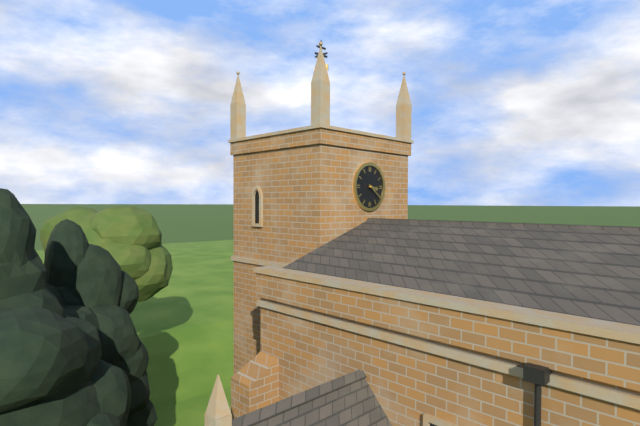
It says 3 h 21 min
